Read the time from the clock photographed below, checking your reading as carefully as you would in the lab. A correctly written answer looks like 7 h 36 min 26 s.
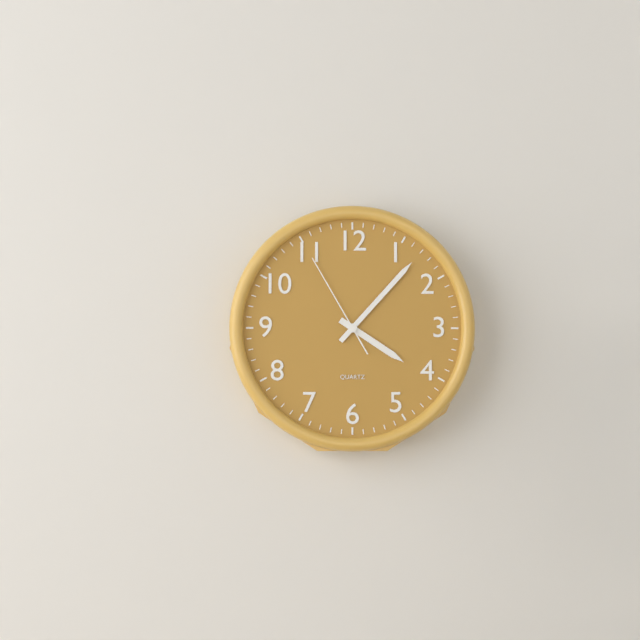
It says 4 h 07 min 55 s
